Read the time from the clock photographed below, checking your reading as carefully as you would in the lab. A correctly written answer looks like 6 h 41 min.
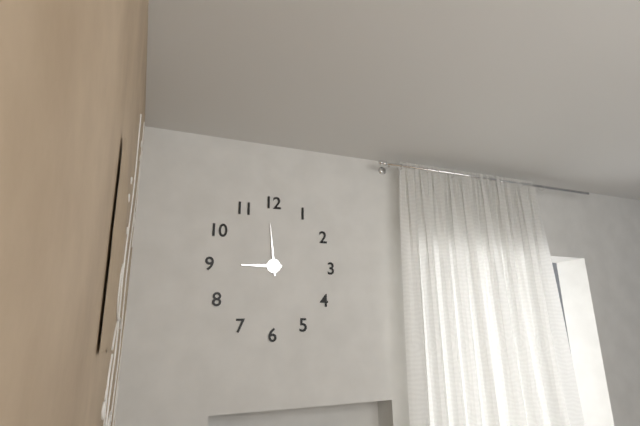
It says 8 h 59 min
